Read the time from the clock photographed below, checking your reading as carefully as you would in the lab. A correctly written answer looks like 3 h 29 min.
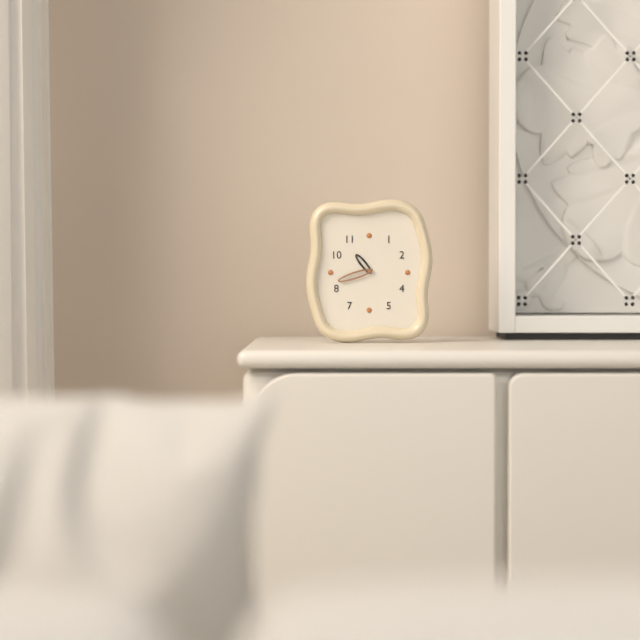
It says 10 h 42 min
